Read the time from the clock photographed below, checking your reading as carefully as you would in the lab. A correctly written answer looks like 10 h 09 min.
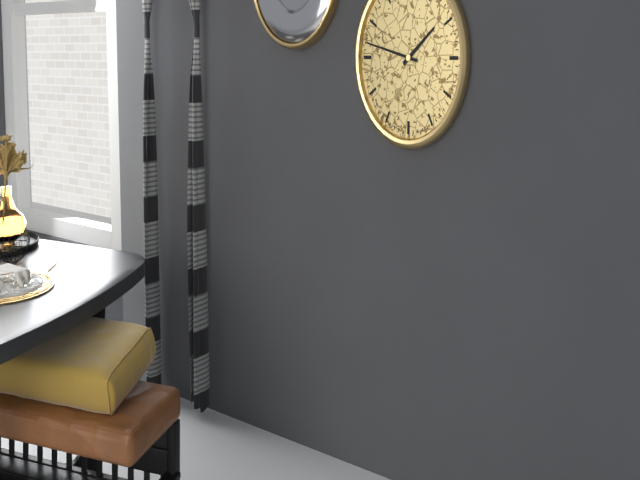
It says 1 h 47 min
